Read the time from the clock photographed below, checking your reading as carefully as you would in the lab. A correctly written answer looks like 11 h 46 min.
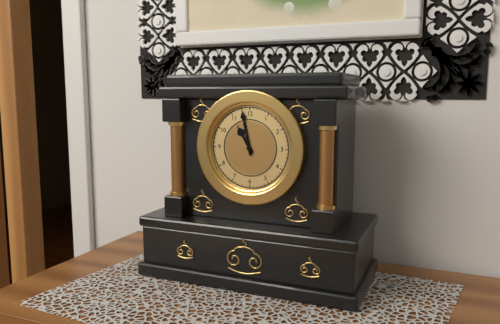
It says 10 h 58 min
